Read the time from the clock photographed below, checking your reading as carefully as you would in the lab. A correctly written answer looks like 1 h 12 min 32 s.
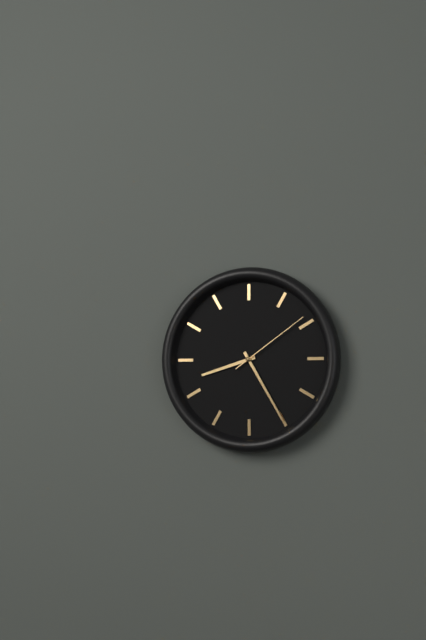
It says 8 h 25 min 09 s
